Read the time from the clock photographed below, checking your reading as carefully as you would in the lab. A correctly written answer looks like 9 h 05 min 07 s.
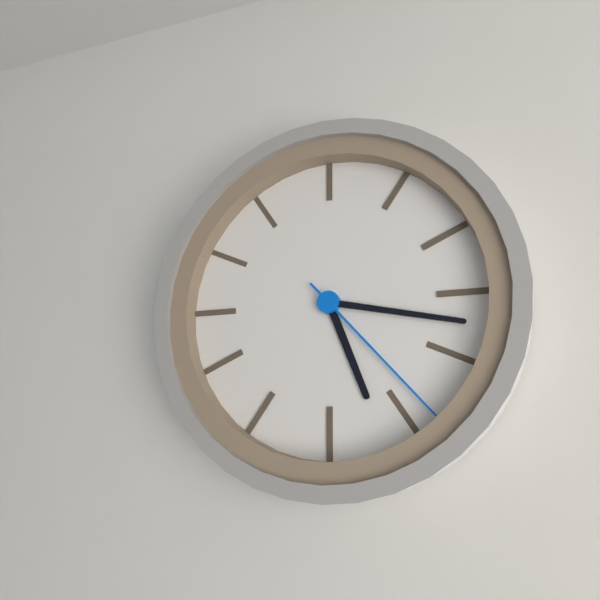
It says 5 h 17 min 23 s
